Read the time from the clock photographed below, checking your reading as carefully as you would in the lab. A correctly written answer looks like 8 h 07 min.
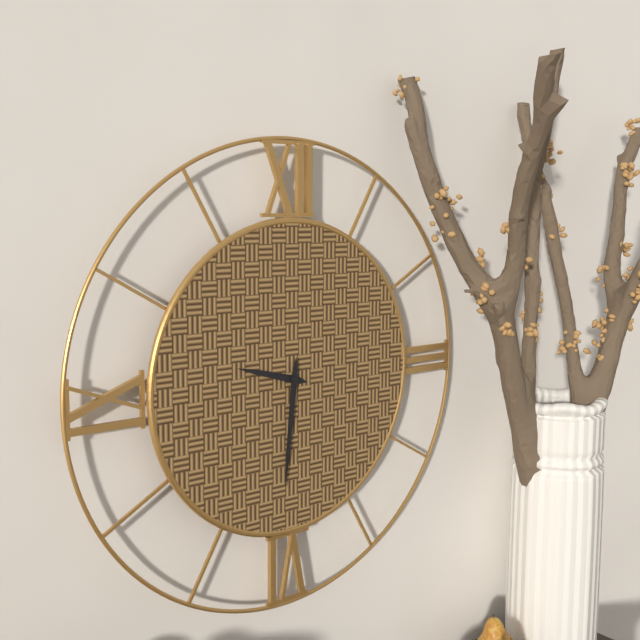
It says 9 h 31 min
